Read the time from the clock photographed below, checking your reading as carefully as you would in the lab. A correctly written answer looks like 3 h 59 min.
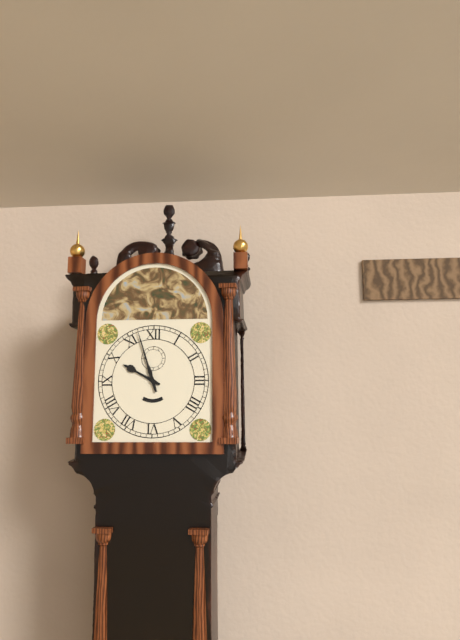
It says 9 h 57 min
